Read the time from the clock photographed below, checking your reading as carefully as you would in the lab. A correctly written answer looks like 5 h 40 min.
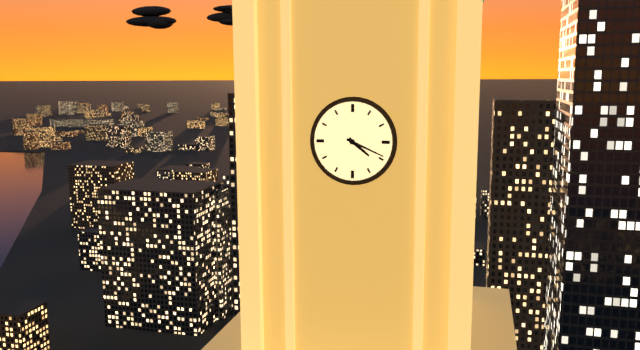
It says 4 h 19 min
